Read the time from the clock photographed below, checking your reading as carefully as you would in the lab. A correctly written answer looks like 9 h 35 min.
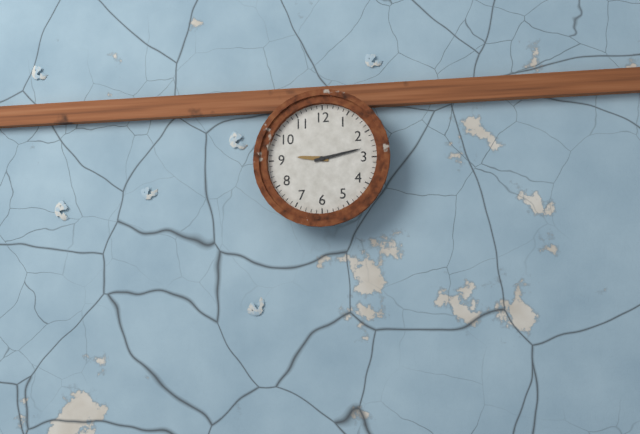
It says 9 h 13 min
